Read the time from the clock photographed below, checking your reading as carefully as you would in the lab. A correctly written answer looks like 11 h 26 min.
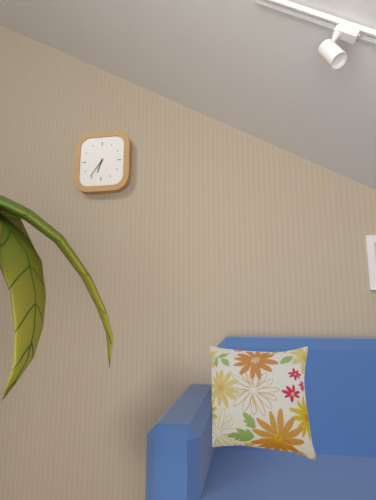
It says 6 h 36 min
